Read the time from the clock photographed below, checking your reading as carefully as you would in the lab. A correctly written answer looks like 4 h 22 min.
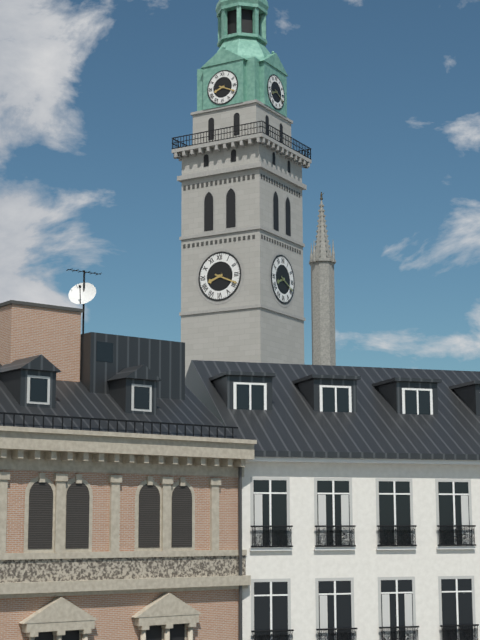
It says 8 h 19 min
